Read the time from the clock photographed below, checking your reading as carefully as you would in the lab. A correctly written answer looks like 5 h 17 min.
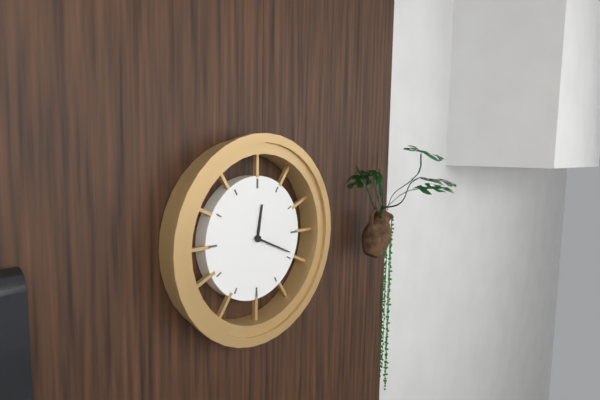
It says 12 h 19 min
